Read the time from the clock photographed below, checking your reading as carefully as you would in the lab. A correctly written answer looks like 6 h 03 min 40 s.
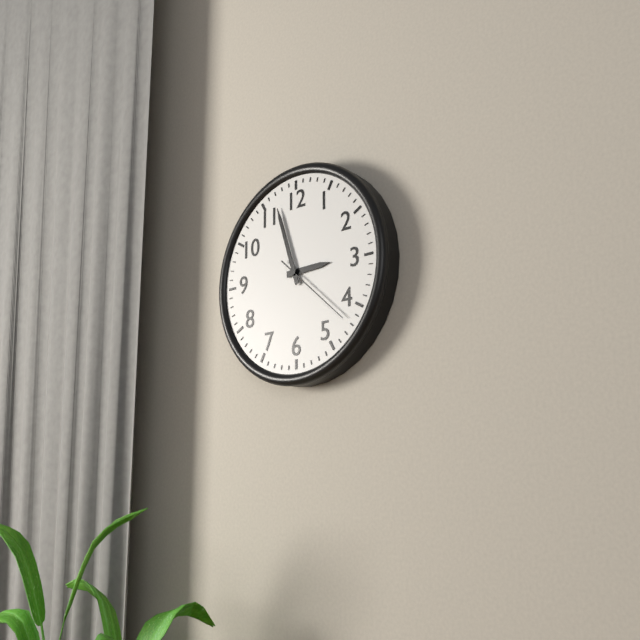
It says 2 h 57 min 22 s
